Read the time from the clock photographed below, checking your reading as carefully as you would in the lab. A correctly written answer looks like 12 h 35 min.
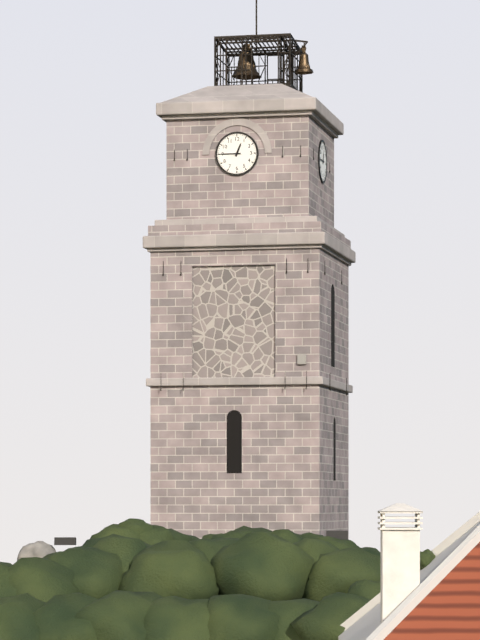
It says 12 h 45 min
